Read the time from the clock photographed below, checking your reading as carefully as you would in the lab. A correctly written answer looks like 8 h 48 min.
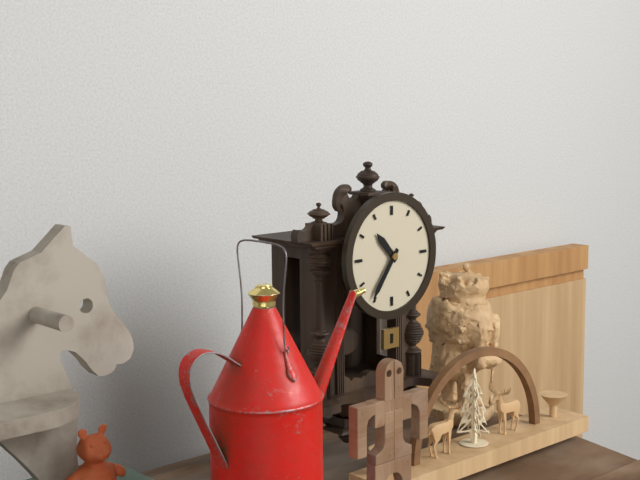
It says 10 h 36 min
